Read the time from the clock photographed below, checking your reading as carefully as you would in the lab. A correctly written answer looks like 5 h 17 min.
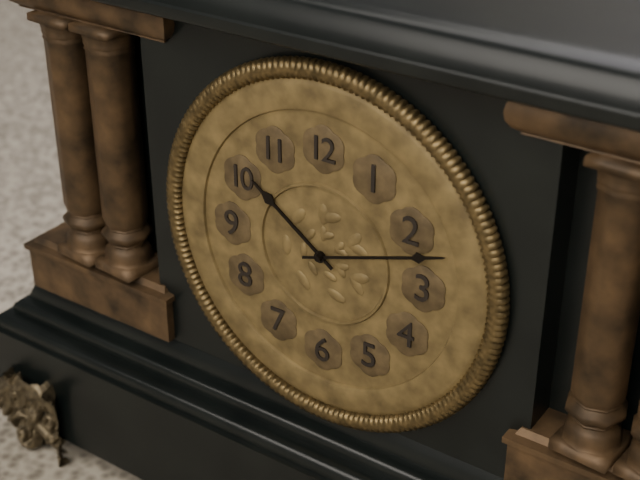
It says 10 h 12 min
